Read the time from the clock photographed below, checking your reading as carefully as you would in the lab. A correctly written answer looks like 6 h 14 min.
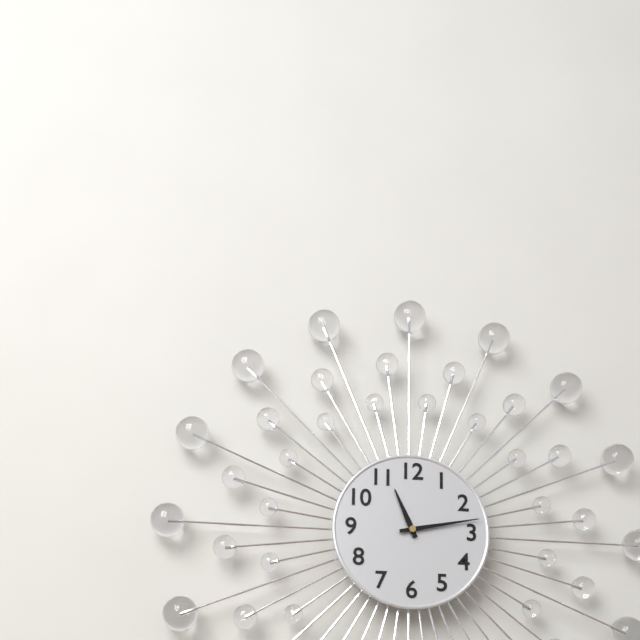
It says 11 h 13 min
